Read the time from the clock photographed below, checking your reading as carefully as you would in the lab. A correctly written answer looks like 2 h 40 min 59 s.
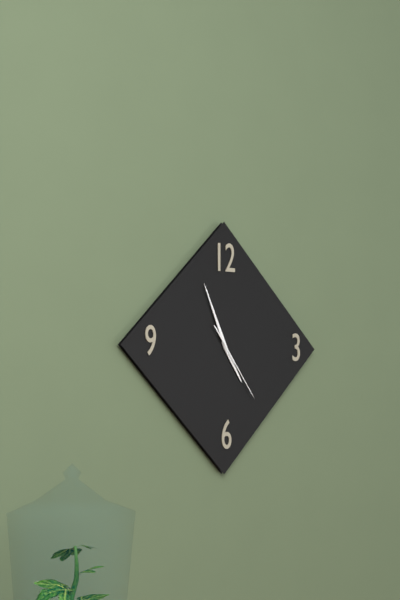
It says 4 h 56 min 24 s
